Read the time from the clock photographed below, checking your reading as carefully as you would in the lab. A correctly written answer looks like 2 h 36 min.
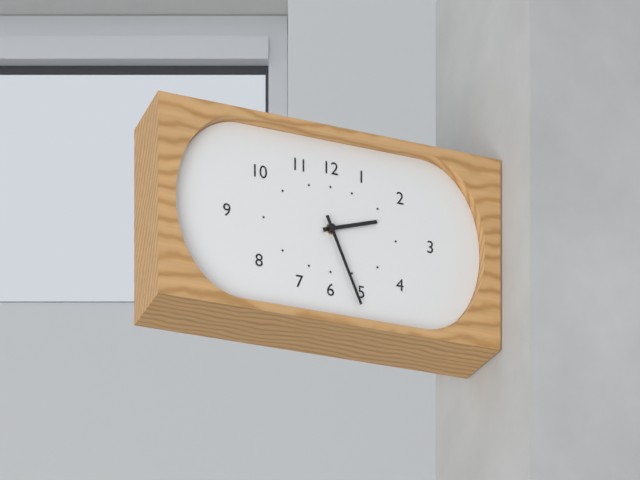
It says 2 h 26 min
